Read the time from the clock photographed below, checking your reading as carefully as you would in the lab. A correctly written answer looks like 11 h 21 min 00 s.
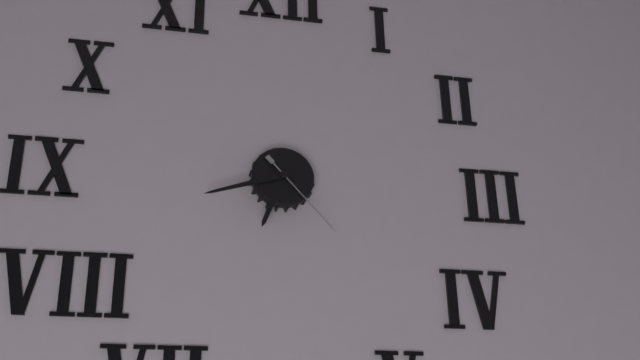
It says 6 h 42 min 23 s
